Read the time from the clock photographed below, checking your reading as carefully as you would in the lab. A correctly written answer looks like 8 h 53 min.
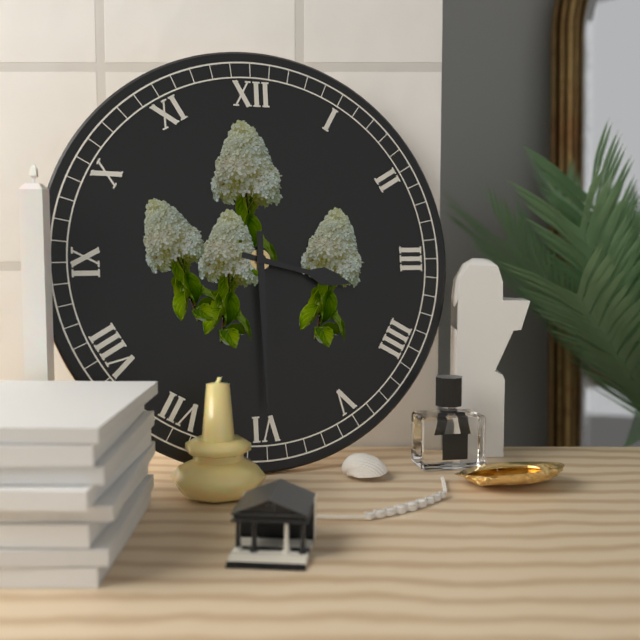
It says 3 h 30 min
